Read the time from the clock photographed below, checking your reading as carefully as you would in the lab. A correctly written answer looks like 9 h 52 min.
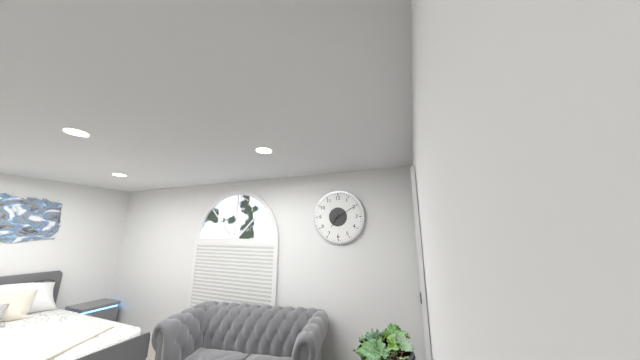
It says 7 h 10 min
